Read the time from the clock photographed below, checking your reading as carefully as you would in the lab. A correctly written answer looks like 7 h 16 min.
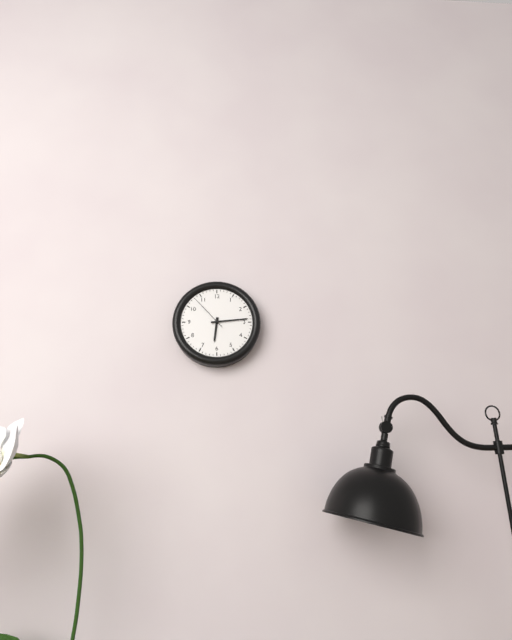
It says 6 h 14 min
